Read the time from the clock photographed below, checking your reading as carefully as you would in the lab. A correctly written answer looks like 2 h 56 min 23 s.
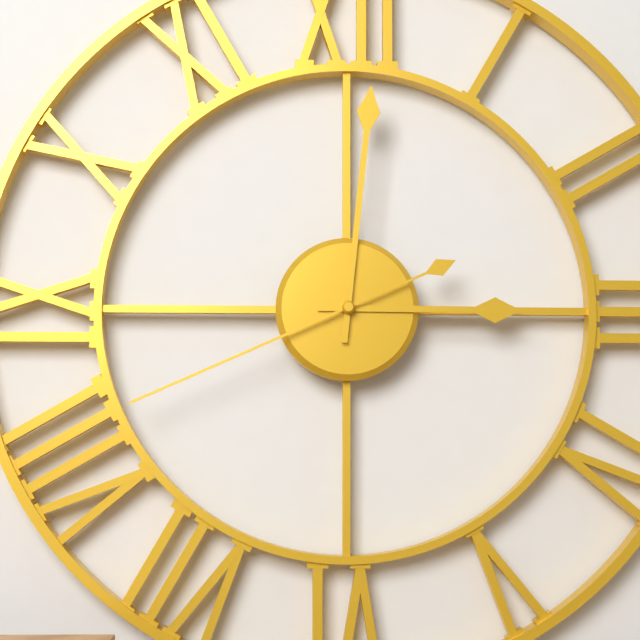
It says 3 h 01 min 41 s
